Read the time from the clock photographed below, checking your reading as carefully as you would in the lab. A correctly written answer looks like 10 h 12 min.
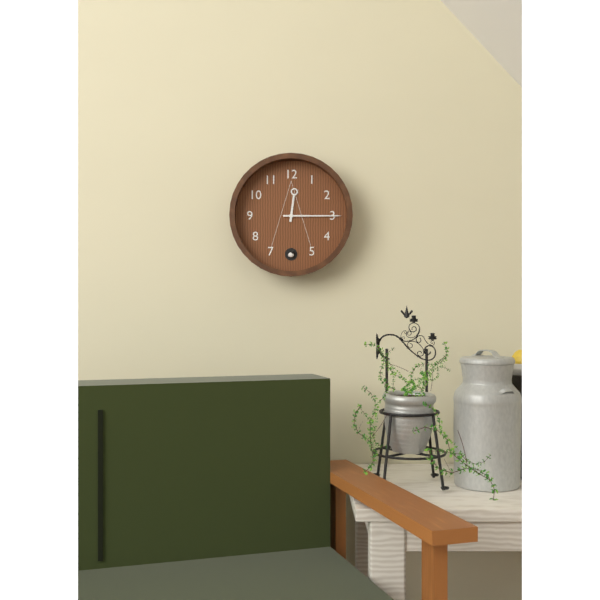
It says 12 h 15 min
